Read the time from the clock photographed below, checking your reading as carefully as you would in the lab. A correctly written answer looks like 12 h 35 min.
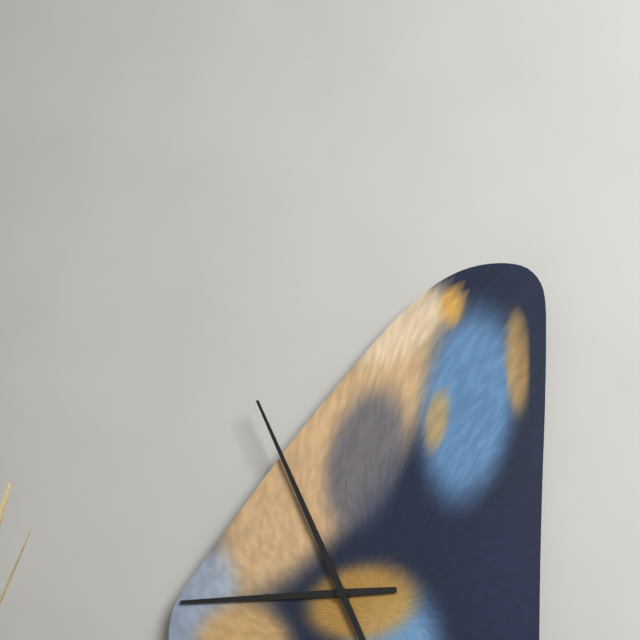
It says 8 h 56 min
